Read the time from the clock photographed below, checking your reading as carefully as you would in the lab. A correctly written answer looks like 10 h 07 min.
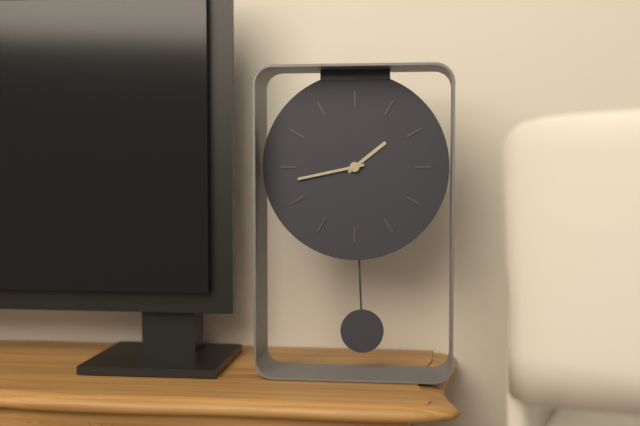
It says 1 h 43 min
